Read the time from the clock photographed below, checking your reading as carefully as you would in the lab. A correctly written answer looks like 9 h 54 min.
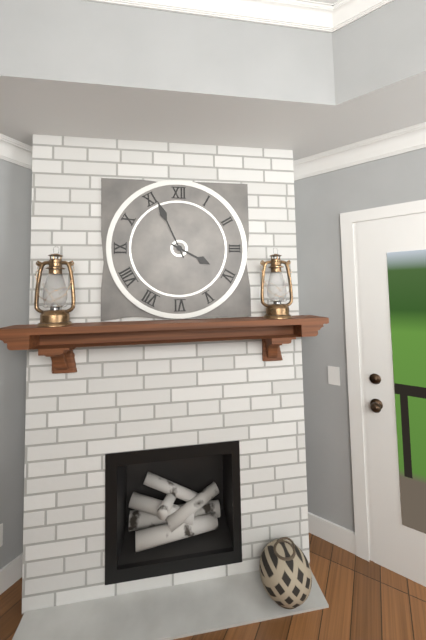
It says 3 h 56 min
